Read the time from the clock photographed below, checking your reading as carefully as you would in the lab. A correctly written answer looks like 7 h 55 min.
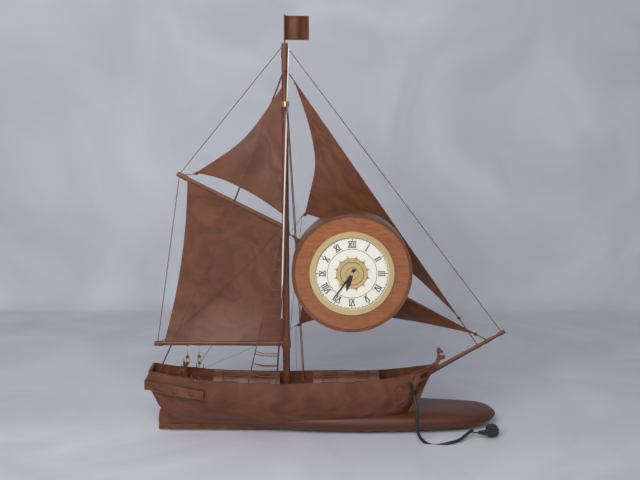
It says 6 h 36 min
